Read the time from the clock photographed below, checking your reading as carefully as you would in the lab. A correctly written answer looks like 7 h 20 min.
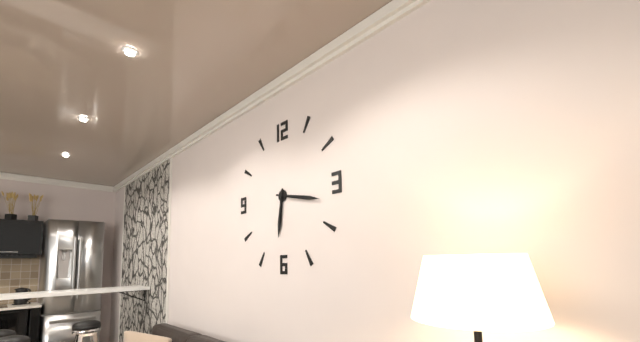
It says 6 h 17 min
